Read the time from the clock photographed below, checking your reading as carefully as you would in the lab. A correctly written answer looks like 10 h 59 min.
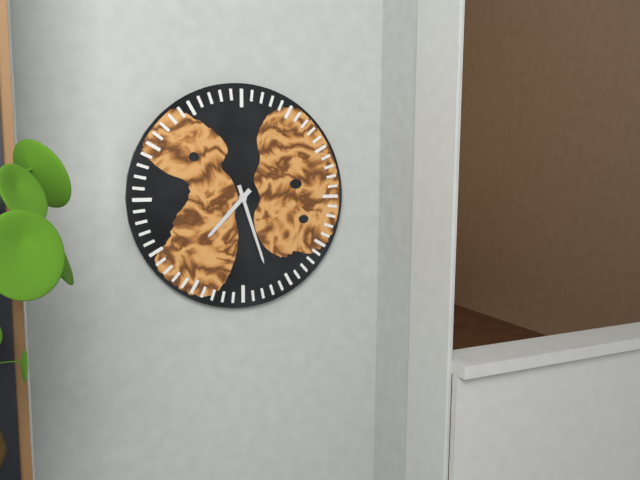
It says 7 h 27 min
